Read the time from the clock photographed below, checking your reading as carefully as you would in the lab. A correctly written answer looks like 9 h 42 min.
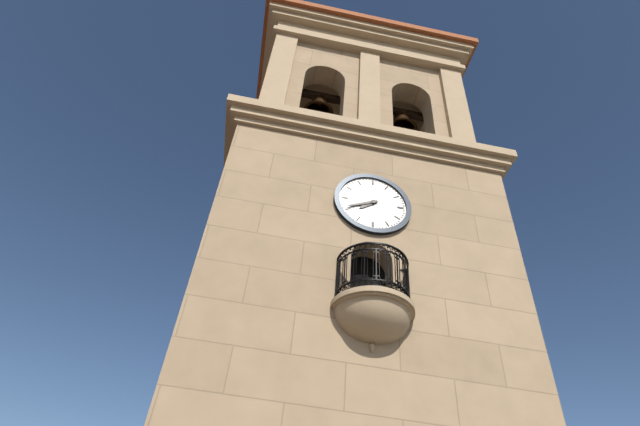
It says 7 h 41 min
